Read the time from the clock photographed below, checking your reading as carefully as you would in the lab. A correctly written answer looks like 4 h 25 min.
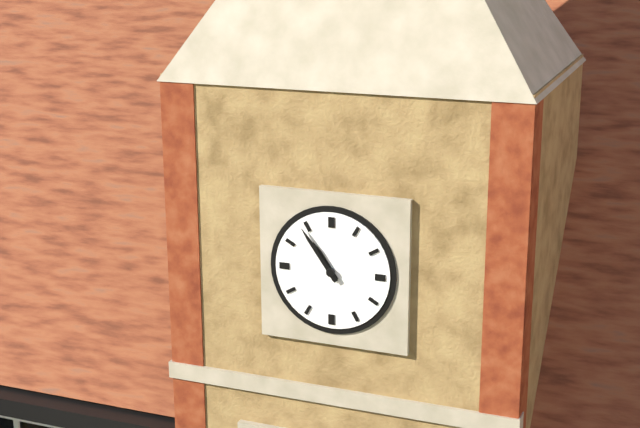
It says 10 h 54 min
